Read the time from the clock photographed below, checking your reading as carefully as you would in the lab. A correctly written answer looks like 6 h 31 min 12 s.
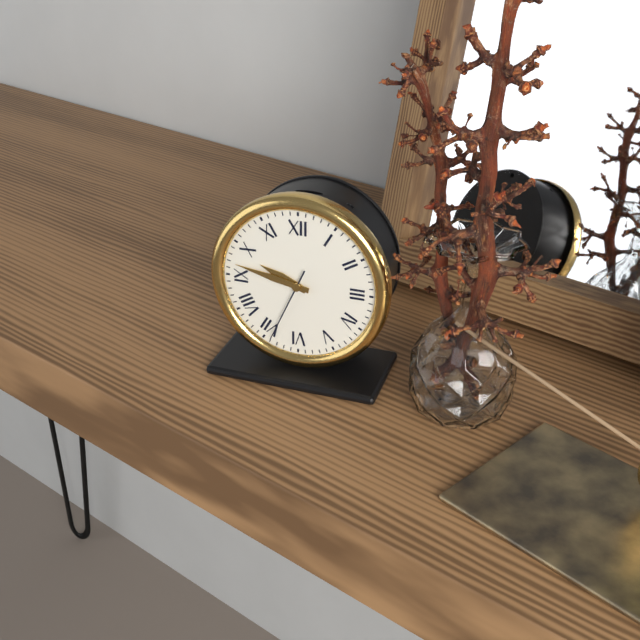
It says 9 h 47 min 34 s
